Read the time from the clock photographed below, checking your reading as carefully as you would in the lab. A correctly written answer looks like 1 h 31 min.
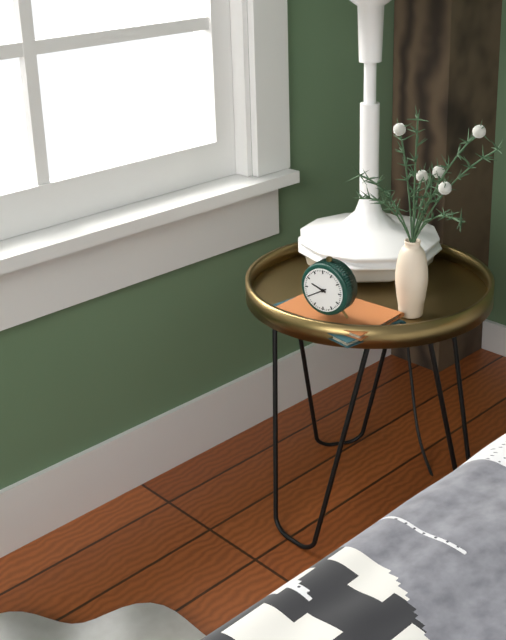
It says 9 h 40 min
